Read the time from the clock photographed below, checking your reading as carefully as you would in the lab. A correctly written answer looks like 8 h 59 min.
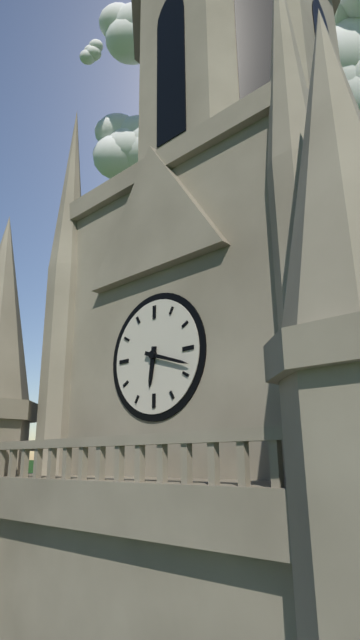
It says 6 h 18 min
